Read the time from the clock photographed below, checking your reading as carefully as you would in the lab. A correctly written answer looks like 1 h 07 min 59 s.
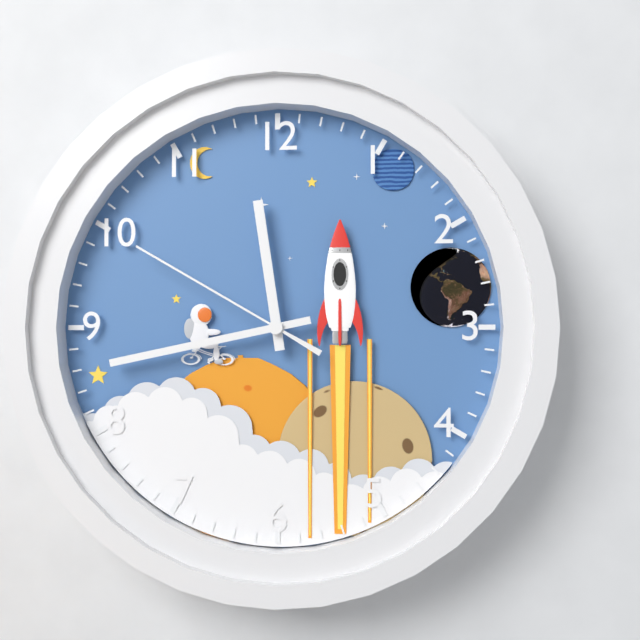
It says 11 h 43 min 50 s
